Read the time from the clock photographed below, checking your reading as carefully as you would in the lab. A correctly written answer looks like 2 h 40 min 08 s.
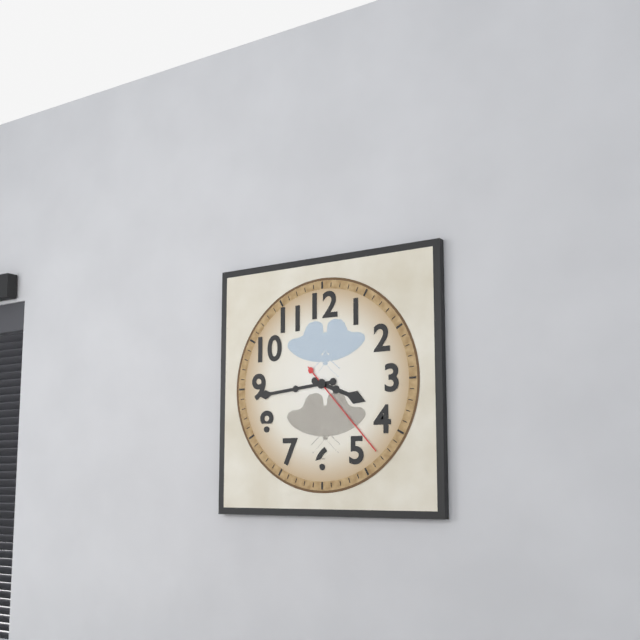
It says 3 h 44 min 23 s
